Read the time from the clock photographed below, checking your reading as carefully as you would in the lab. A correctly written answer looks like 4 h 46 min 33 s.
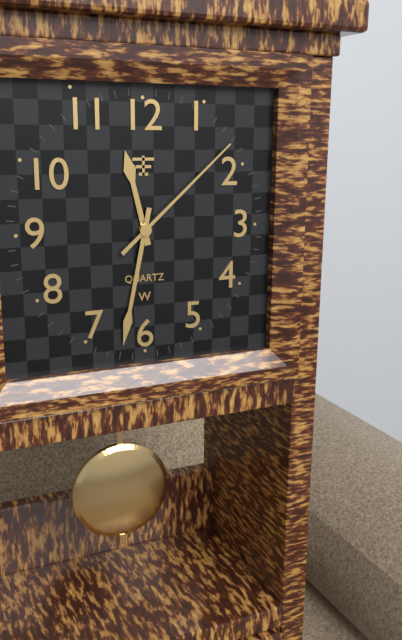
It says 11 h 32 min 08 s
